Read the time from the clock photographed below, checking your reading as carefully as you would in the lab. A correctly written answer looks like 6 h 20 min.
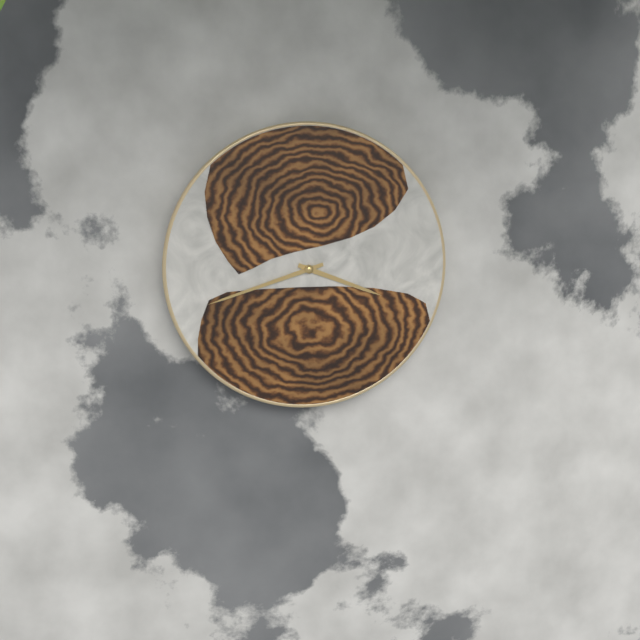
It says 3 h 42 min
